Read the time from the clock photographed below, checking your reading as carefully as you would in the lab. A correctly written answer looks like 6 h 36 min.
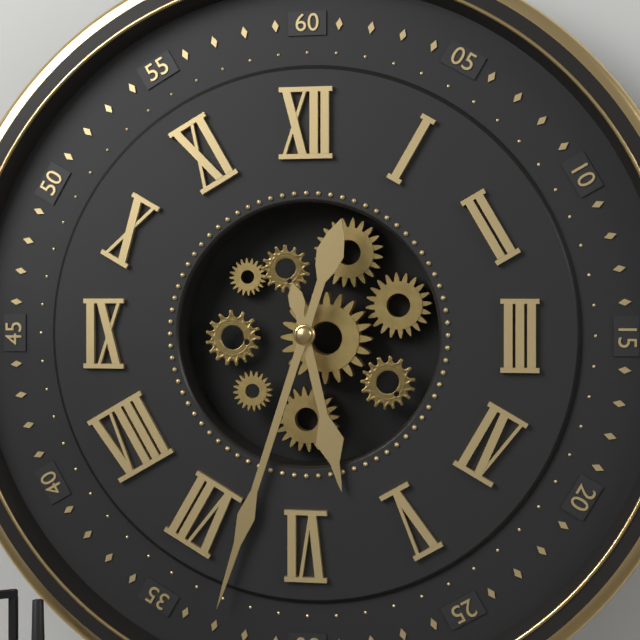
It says 5 h 33 min
